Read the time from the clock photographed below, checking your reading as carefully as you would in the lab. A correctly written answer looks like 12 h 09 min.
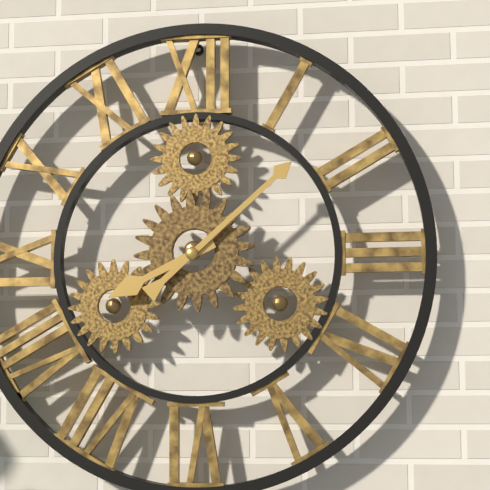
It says 8 h 08 min
